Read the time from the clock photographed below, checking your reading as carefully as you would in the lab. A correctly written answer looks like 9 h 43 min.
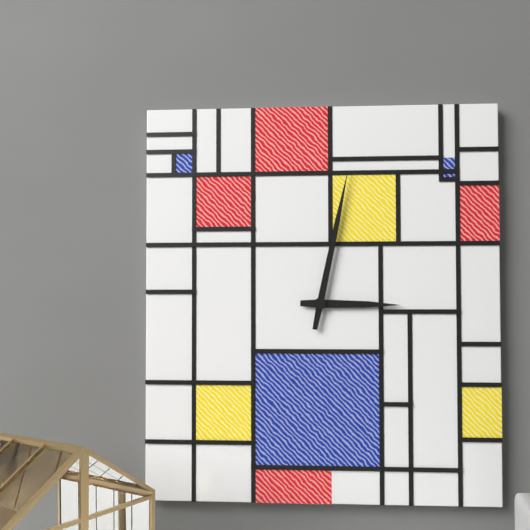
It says 3 h 02 min
